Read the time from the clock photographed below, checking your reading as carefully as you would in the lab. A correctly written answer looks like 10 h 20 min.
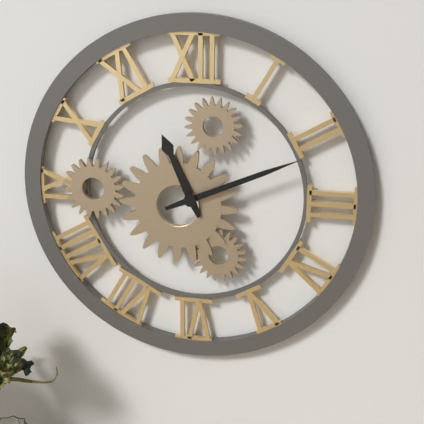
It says 11 h 11 min
